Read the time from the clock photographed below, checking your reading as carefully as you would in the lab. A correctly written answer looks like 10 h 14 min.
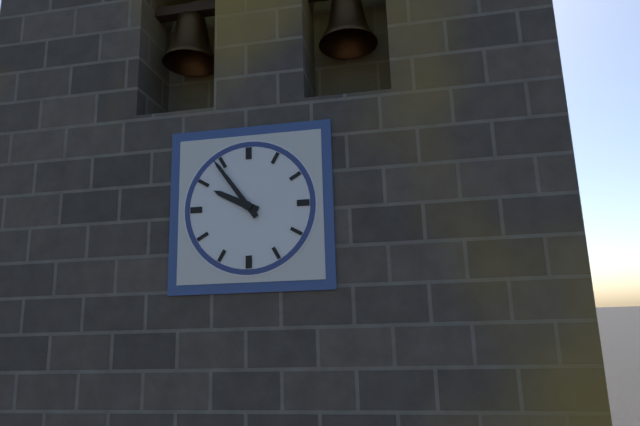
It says 9 h 54 min
